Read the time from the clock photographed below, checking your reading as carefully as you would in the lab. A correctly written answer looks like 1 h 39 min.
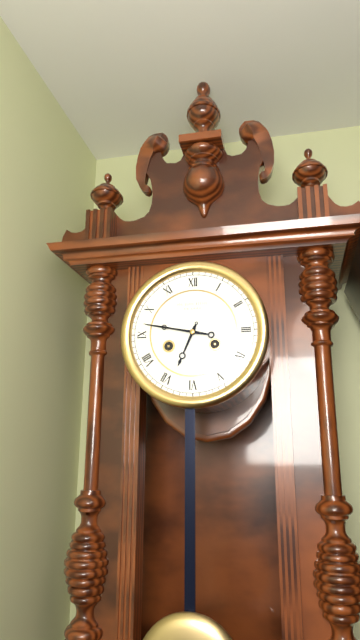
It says 6 h 47 min
